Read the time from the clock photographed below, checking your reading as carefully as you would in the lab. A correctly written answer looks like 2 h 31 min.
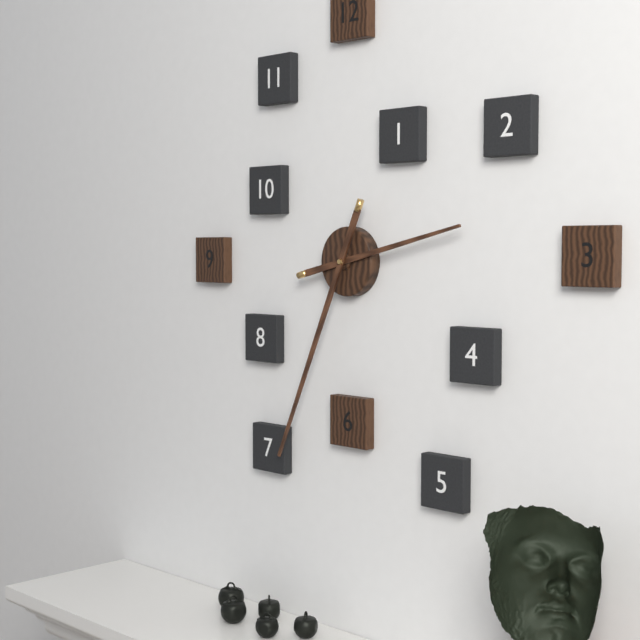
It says 2 h 34 min
